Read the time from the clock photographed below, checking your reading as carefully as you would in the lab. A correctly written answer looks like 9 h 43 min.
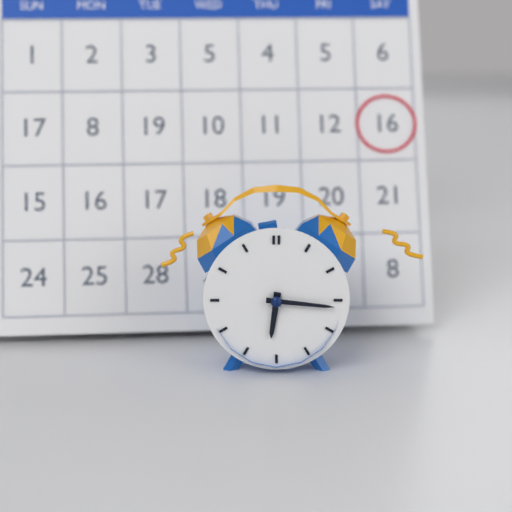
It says 6 h 16 min
